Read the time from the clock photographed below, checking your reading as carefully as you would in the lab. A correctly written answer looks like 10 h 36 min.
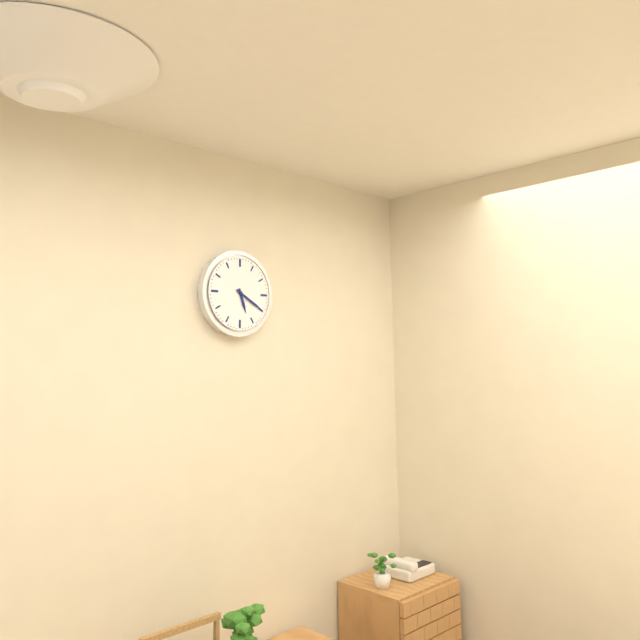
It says 5 h 20 min
